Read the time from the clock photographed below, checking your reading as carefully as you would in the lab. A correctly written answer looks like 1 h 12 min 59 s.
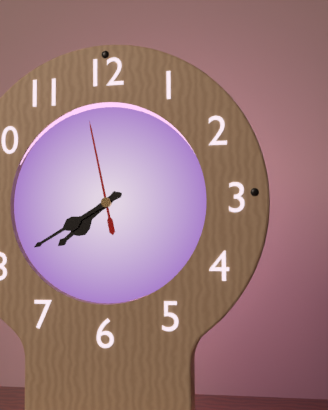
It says 7 h 40 min 58 s
